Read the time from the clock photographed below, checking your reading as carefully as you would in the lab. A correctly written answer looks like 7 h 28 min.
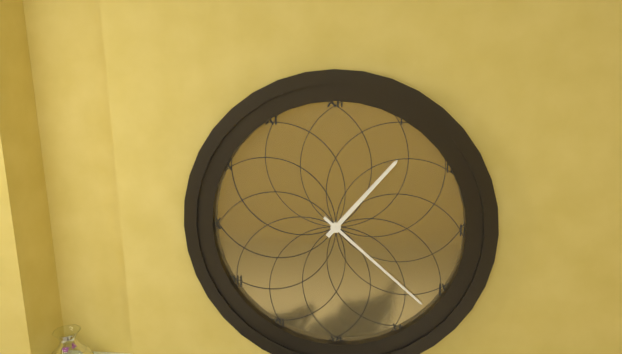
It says 1 h 22 min
